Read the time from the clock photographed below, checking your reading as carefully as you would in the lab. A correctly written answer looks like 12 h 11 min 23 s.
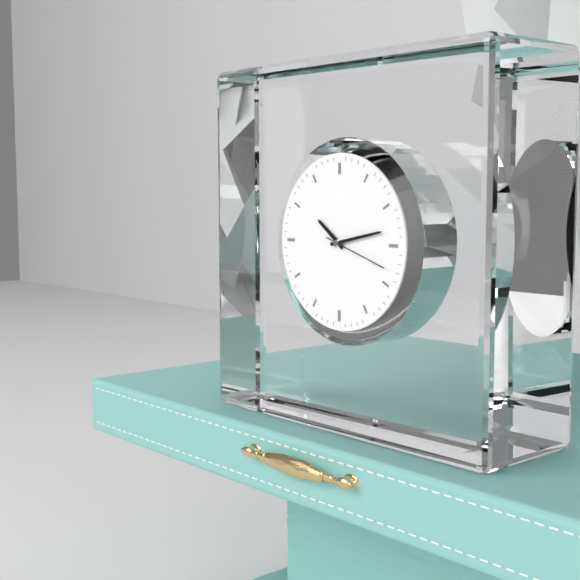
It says 10 h 13 min 18 s
